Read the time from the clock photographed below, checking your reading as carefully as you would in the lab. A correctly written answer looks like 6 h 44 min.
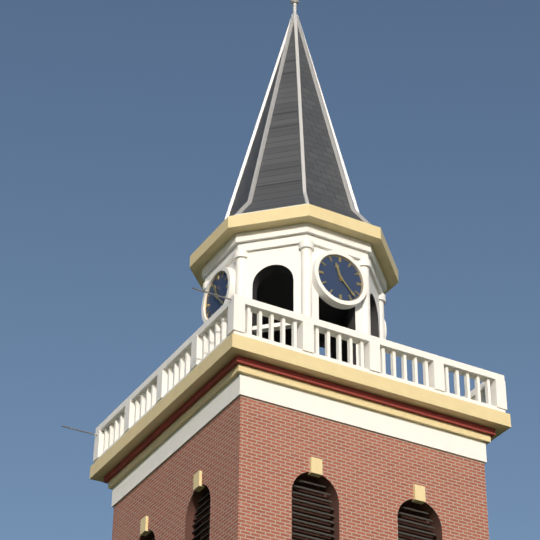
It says 11 h 23 min
